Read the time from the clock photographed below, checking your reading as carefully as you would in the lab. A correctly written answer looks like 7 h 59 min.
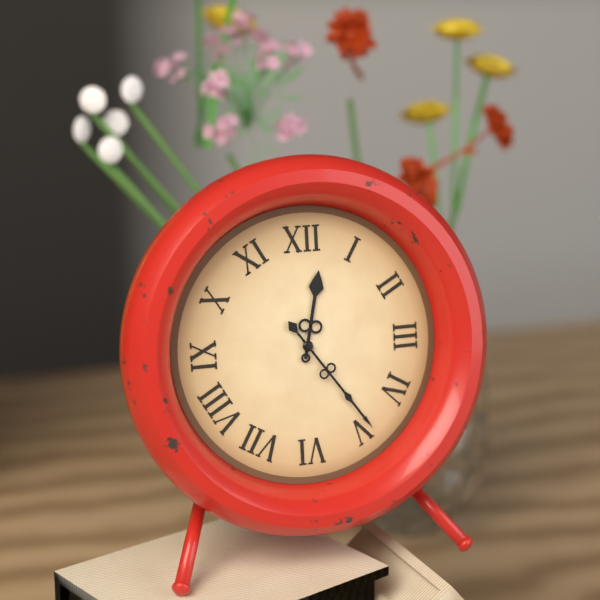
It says 12 h 24 min
